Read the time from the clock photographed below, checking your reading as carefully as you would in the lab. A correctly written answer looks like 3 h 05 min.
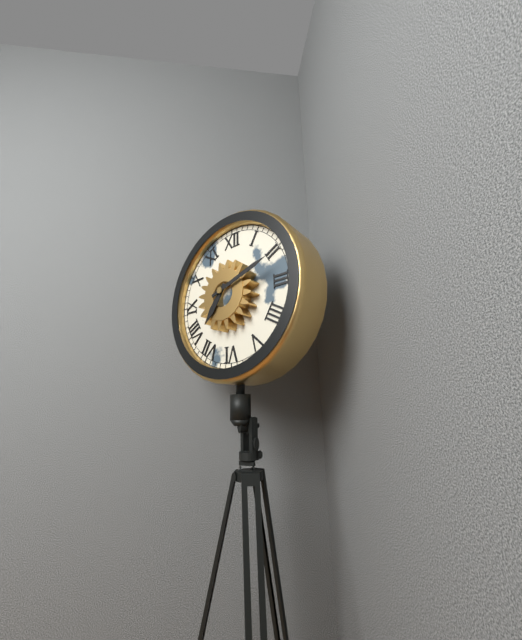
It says 7 h 12 min
